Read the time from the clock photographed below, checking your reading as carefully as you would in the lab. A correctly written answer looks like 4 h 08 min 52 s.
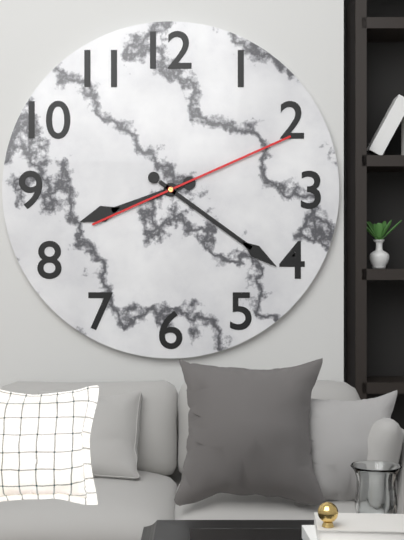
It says 8 h 21 min 11 s
